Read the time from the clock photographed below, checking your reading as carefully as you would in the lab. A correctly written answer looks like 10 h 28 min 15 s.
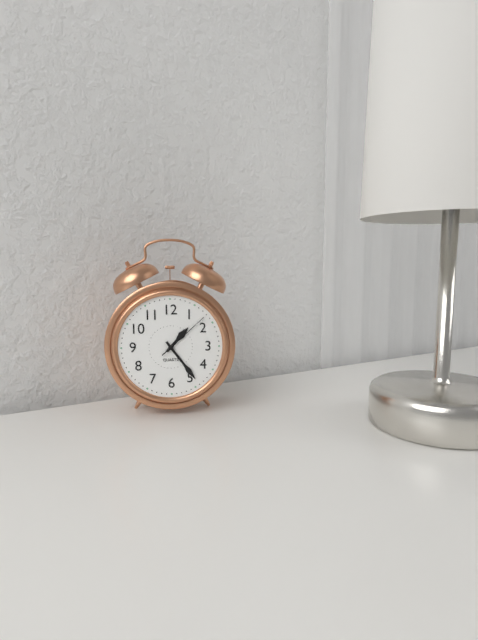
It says 1 h 24 min 08 s
